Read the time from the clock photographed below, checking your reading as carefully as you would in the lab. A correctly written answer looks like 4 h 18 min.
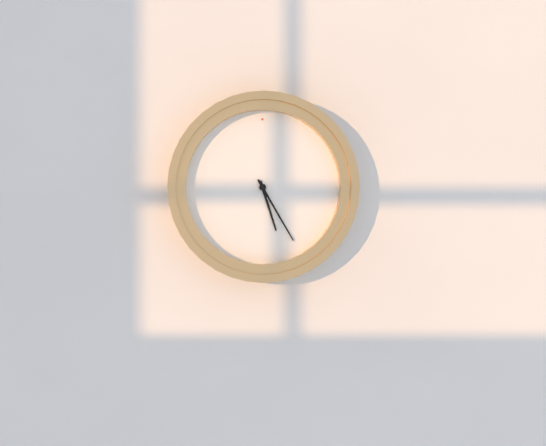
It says 5 h 25 min
